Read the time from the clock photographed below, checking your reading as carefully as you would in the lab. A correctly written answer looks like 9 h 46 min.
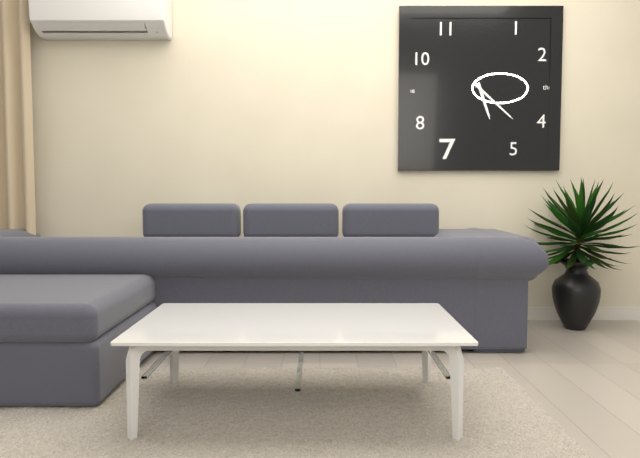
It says 5 h 22 min
